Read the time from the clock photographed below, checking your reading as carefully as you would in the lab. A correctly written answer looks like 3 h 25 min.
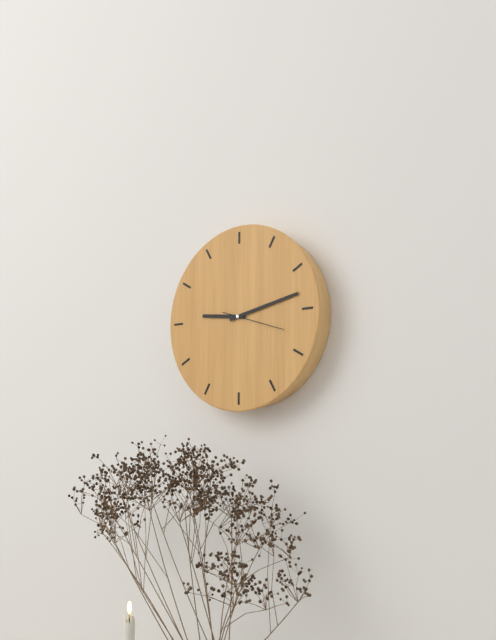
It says 9 h 13 min
